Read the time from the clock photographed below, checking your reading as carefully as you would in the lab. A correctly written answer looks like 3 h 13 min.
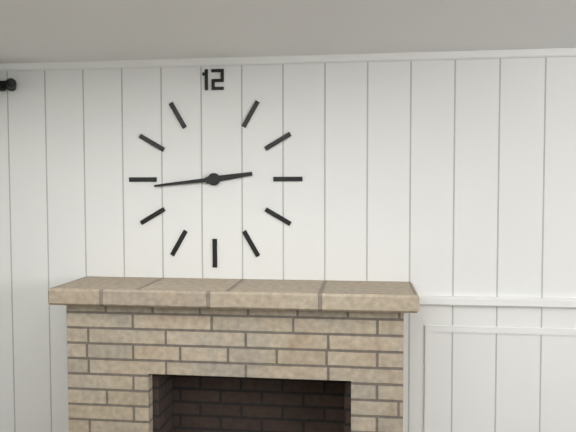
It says 2 h 44 min
